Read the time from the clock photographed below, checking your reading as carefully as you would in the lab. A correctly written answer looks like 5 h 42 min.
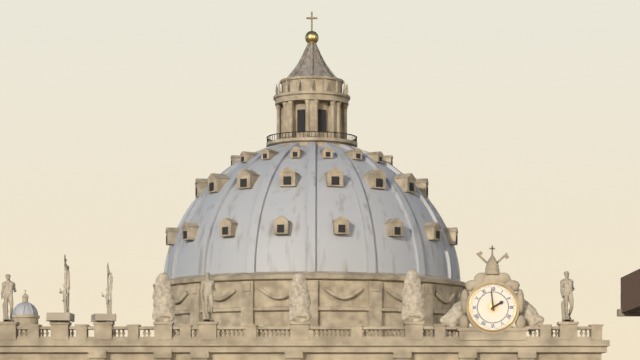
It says 1 h 59 min
